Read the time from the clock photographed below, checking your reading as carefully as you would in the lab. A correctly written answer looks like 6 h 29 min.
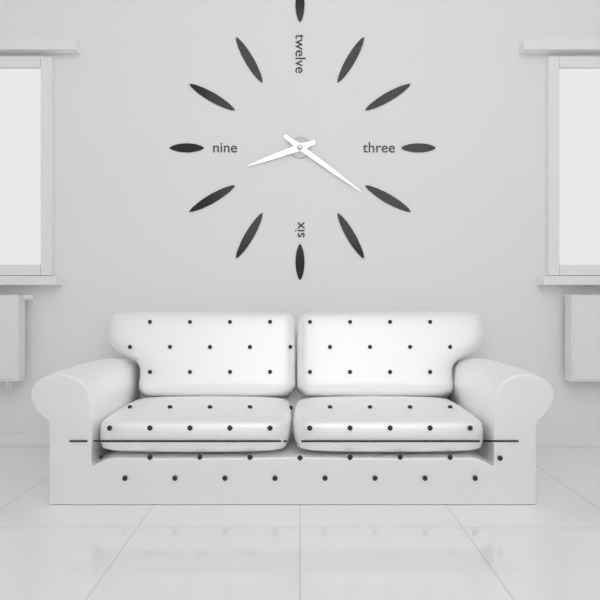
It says 8 h 21 min
